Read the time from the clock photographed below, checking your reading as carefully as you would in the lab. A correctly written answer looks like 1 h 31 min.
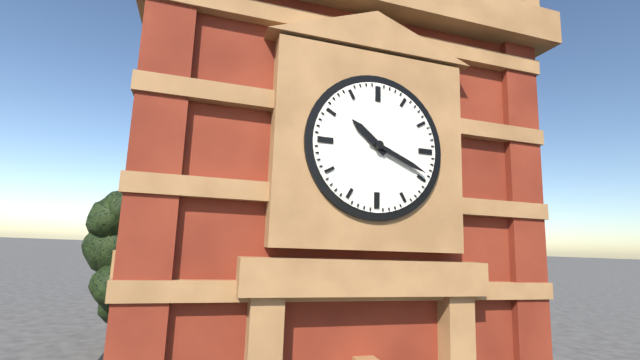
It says 10 h 19 min
